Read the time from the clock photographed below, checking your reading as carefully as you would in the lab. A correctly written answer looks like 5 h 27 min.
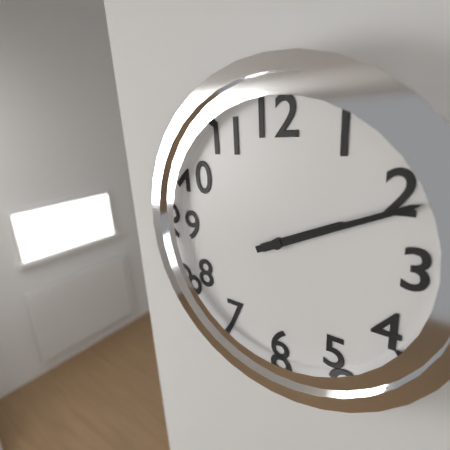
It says 2 h 11 min
